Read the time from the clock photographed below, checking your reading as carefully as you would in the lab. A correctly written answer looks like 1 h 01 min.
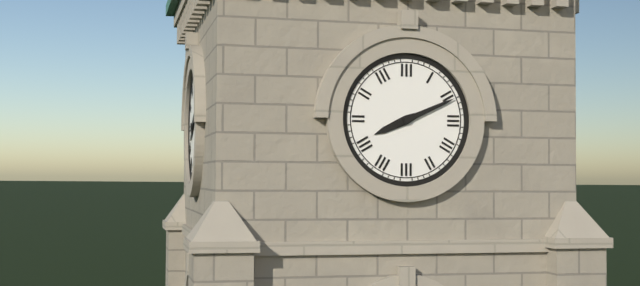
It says 8 h 11 min
